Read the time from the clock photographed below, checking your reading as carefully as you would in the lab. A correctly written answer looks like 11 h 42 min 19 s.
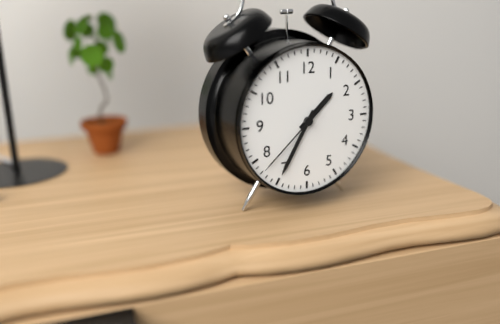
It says 1 h 35 min 38 s
